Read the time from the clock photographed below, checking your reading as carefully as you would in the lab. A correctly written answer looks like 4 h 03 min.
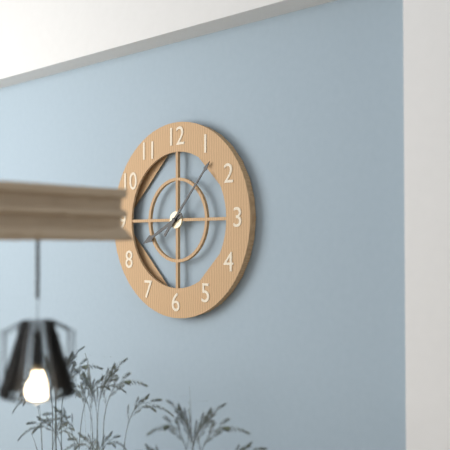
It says 8 h 07 min
